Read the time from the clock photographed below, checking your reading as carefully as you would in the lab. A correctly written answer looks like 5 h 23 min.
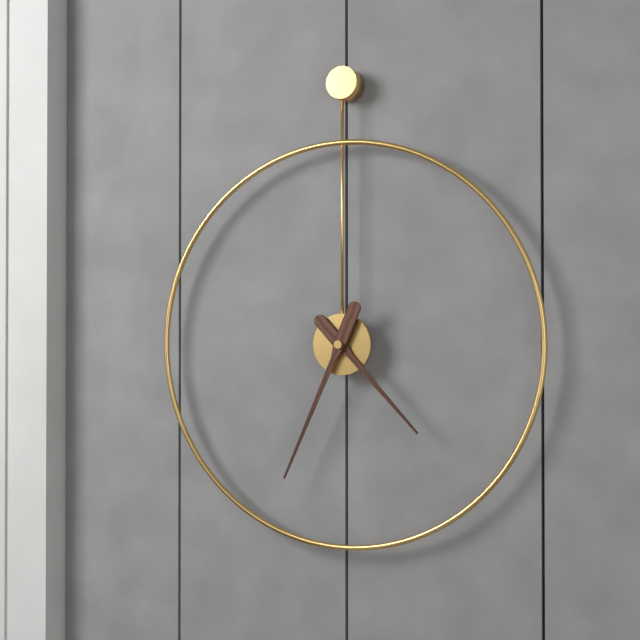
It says 4 h 34 min
